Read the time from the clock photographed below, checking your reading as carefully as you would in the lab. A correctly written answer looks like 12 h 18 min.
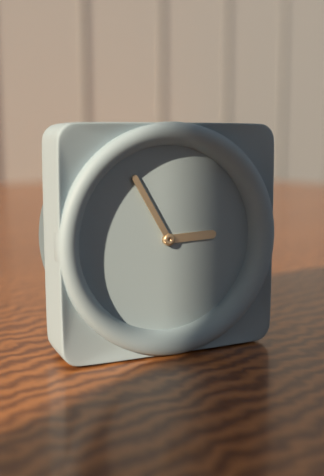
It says 2 h 55 min
